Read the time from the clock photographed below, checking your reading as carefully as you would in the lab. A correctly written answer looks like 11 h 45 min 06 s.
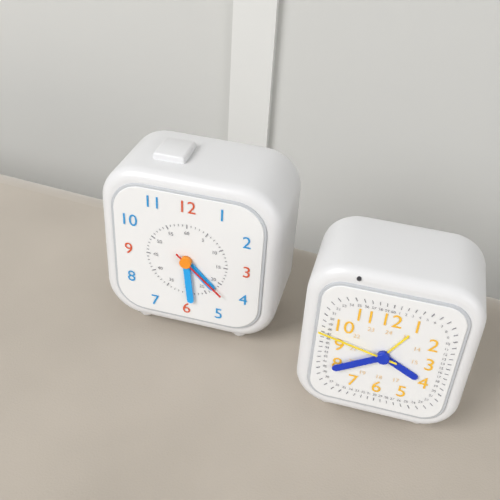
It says 4 h 29 min 22 s
